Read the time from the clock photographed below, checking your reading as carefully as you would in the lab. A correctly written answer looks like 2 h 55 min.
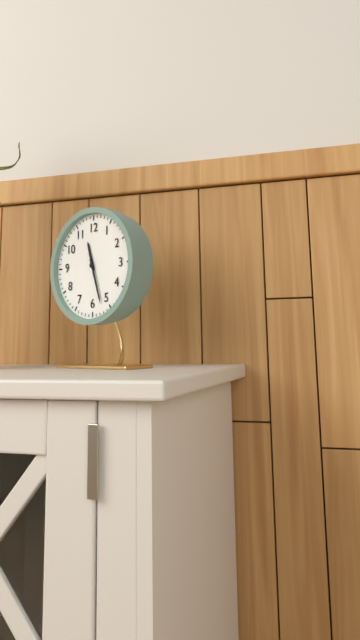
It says 11 h 27 min
